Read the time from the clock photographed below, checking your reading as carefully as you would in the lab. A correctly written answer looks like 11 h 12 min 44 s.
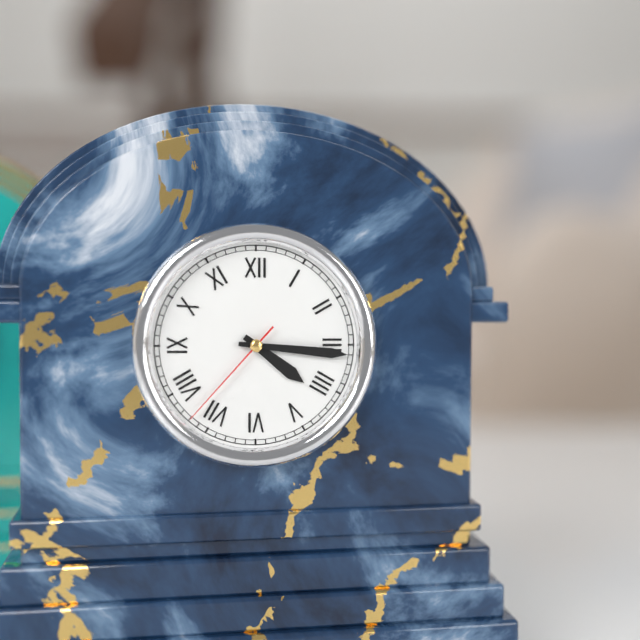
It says 4 h 16 min 37 s
